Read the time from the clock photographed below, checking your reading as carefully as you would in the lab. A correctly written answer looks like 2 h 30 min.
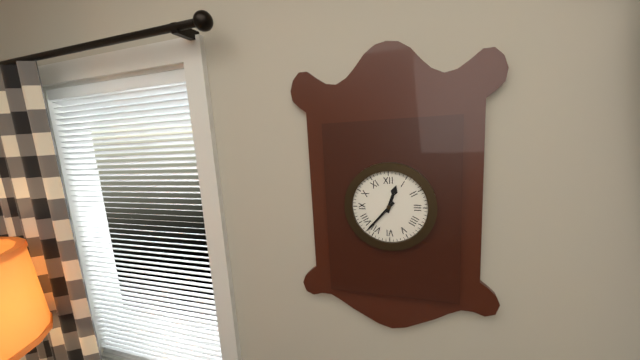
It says 12 h 37 min
